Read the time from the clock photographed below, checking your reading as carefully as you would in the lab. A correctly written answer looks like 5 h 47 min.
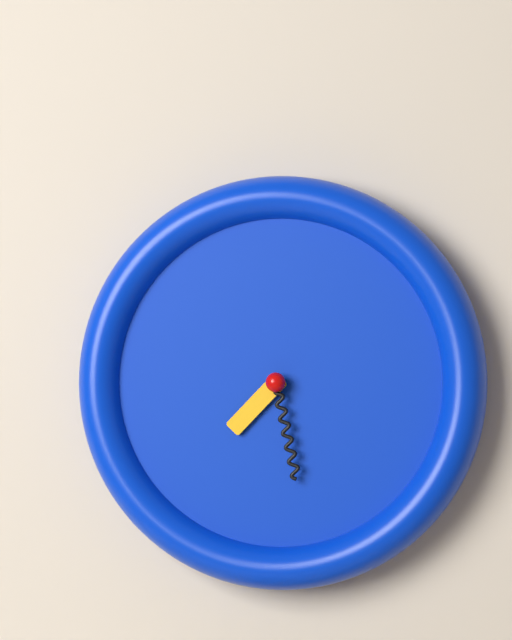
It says 7 h 28 min
